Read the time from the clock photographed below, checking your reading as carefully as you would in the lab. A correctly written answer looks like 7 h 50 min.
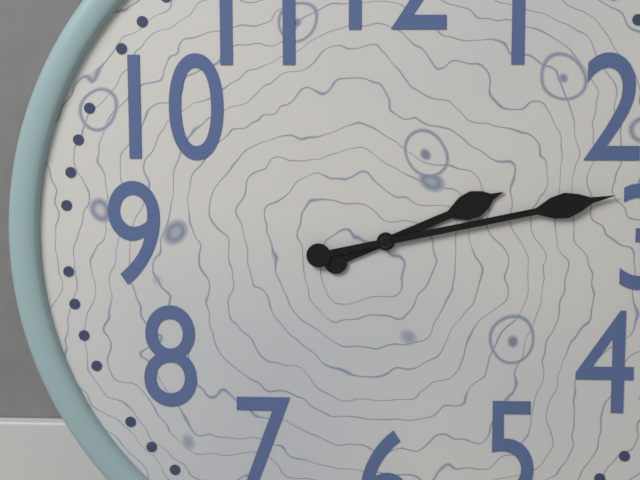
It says 2 h 13 min
